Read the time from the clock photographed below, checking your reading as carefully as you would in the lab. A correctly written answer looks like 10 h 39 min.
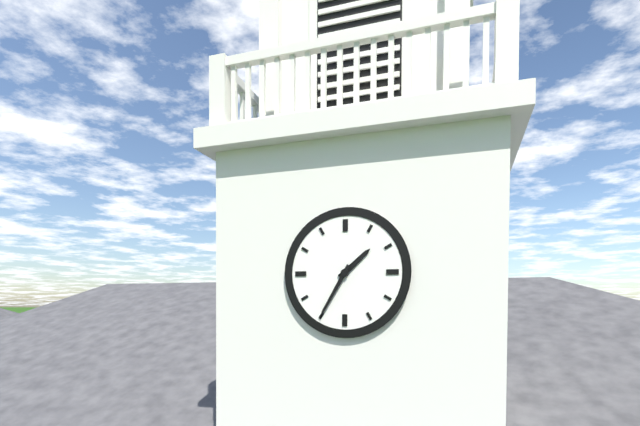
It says 1 h 35 min
